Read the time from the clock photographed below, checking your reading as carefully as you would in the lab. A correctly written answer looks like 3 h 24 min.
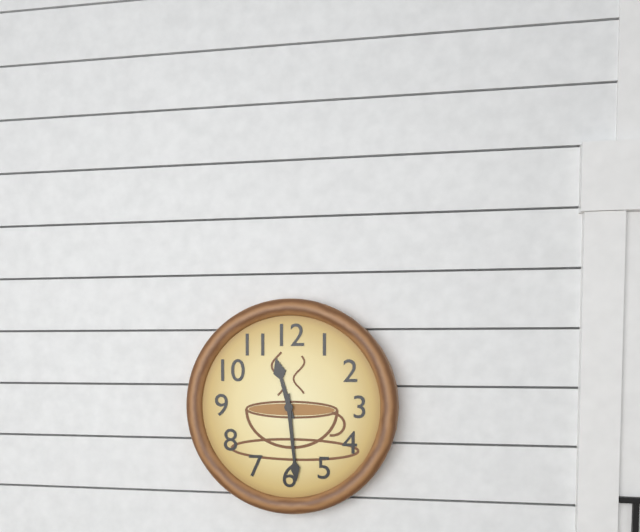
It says 11 h 29 min
